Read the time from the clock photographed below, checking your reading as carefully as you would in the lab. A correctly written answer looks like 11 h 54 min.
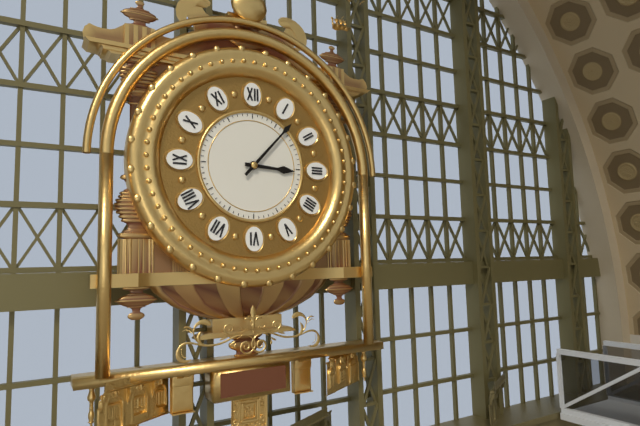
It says 3 h 07 min
